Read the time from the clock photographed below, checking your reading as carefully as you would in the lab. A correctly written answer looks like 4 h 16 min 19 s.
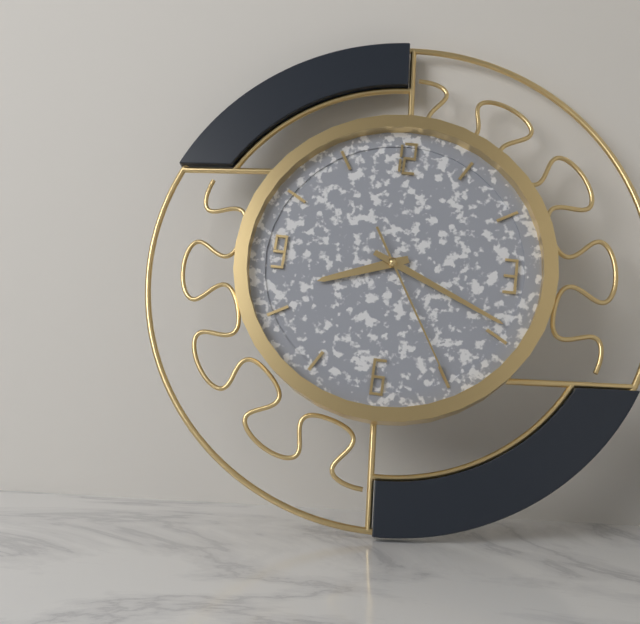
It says 8 h 19 min 25 s
